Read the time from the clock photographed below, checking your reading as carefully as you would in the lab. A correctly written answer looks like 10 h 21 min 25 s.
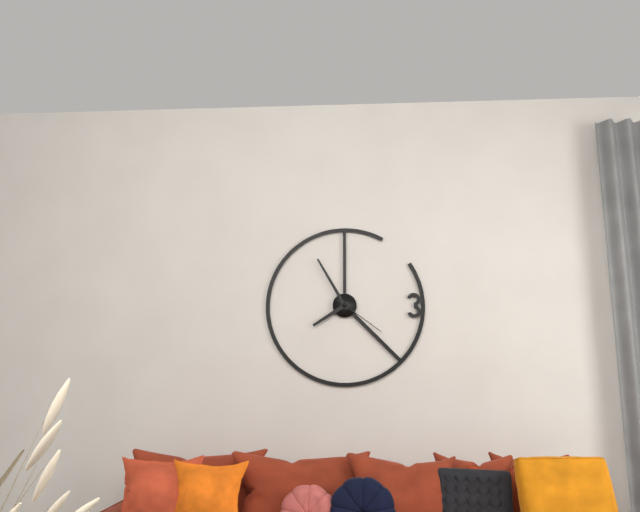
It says 7 h 55 min 21 s
